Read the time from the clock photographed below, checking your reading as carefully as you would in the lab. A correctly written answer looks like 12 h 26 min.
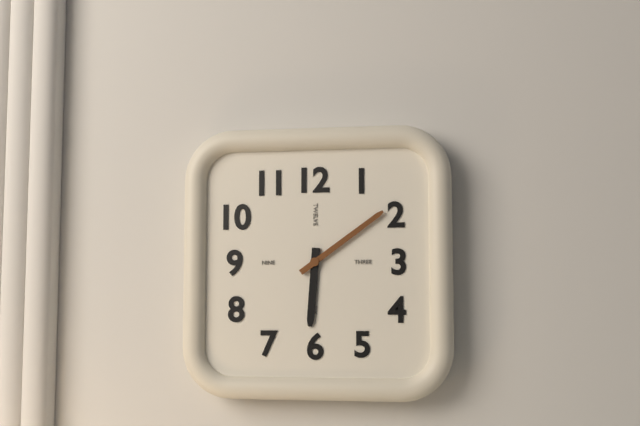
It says 6 h 09 min
